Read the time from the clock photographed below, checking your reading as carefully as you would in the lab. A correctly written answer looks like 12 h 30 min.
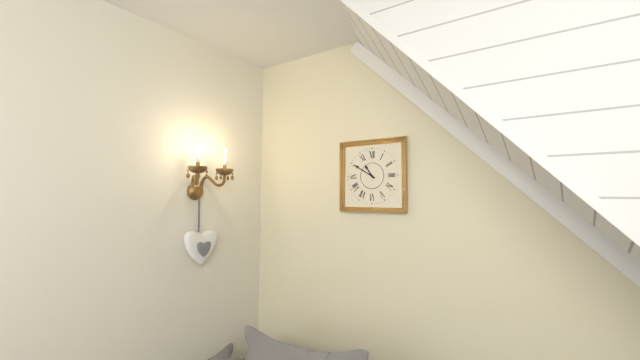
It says 10 h 50 min
